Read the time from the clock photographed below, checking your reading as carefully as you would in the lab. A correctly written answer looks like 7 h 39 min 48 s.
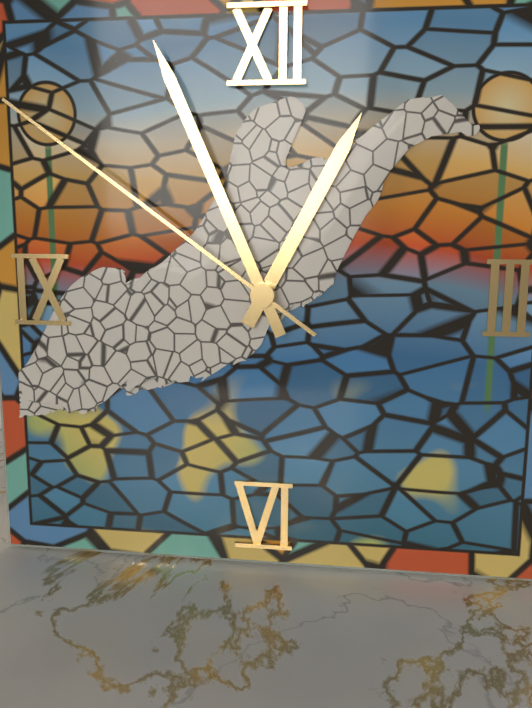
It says 12 h 56 min 51 s
